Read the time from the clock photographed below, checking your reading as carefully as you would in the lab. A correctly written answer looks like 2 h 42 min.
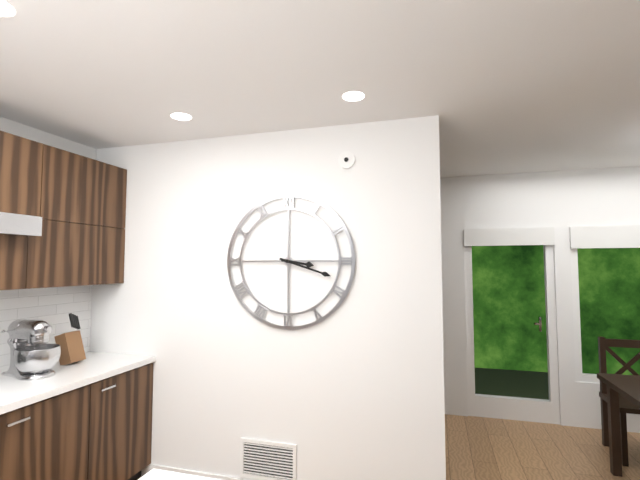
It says 3 h 18 min
